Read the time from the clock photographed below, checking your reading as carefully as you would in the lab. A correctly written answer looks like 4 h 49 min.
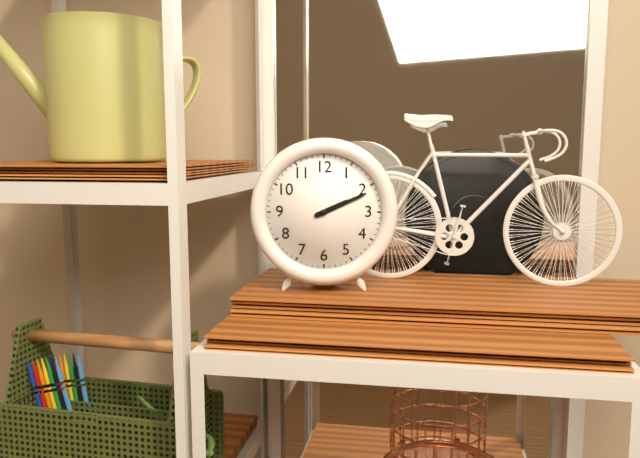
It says 2 h 11 min
